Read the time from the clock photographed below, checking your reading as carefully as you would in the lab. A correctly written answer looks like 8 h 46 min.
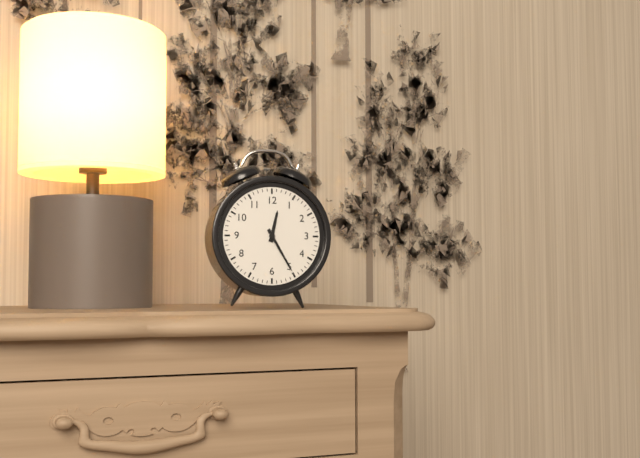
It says 12 h 25 min
